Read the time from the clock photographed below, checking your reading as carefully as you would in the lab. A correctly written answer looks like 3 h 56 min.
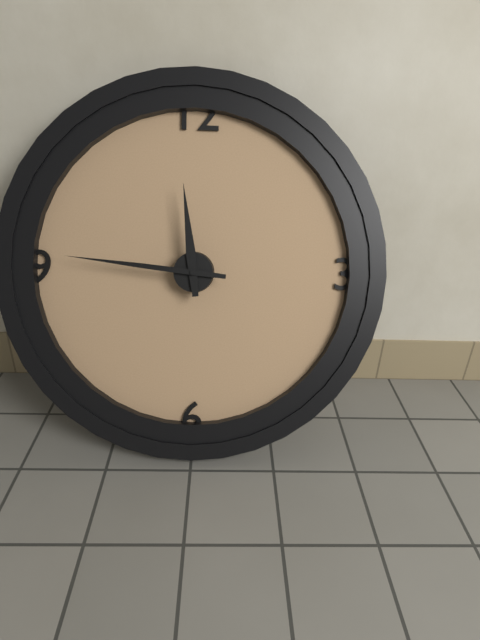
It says 11 h 46 min
